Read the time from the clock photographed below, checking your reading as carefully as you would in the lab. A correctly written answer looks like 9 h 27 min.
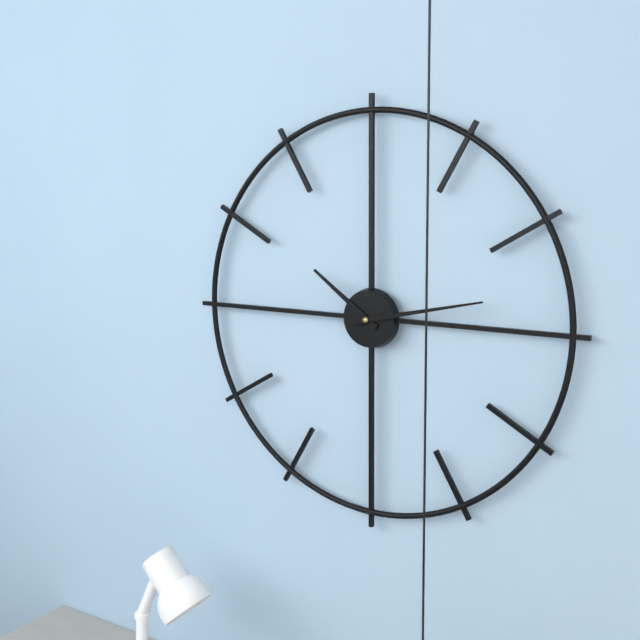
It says 10 h 13 min
